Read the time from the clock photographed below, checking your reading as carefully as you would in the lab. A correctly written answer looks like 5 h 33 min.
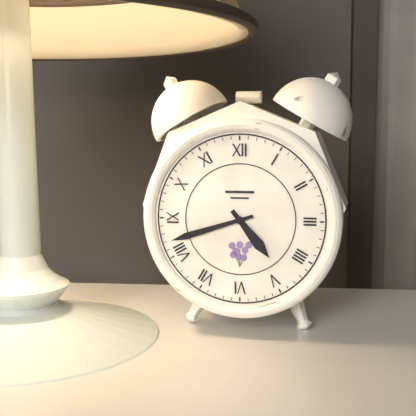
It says 4 h 42 min
